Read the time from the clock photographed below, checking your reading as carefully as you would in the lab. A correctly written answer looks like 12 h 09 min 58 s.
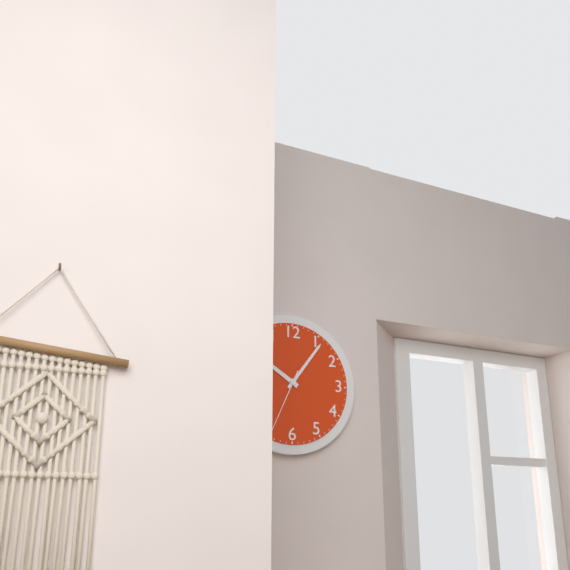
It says 10 h 06 min 34 s
